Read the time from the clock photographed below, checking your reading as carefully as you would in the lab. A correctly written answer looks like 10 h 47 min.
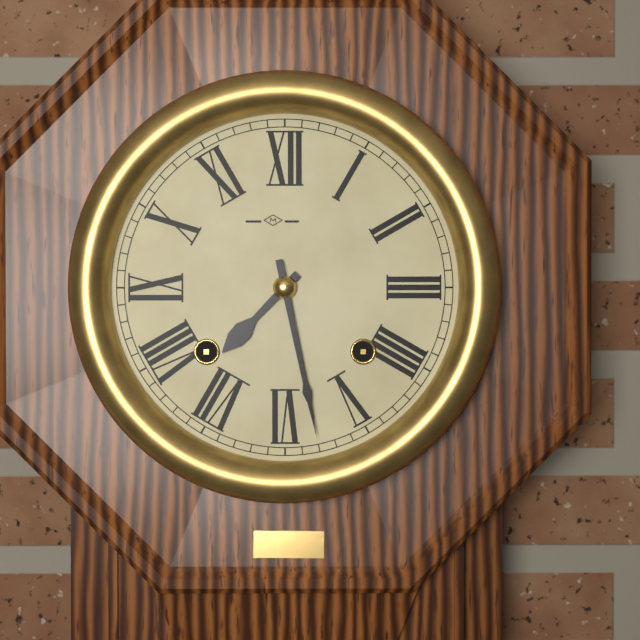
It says 7 h 28 min
